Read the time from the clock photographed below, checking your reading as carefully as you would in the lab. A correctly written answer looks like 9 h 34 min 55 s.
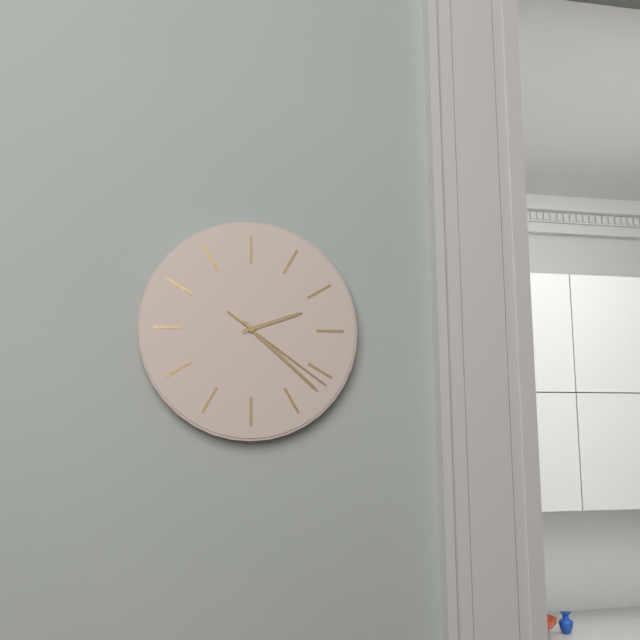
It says 2 h 22 min 21 s
